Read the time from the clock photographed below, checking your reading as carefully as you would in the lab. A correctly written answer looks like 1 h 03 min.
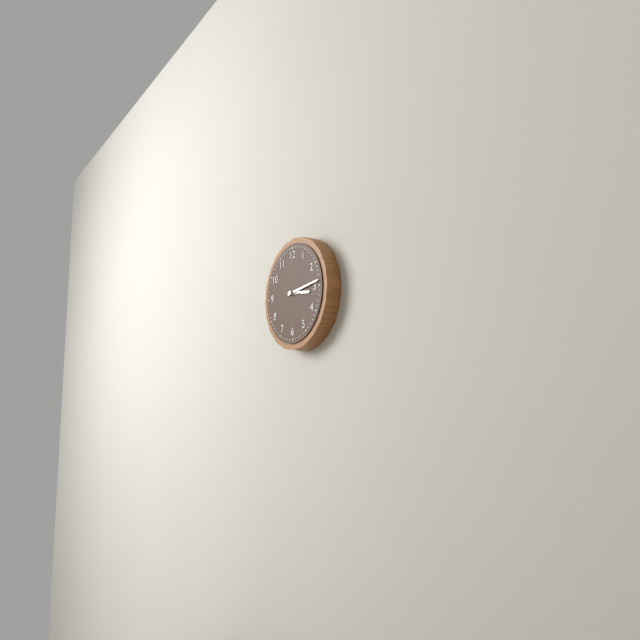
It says 3 h 14 min
